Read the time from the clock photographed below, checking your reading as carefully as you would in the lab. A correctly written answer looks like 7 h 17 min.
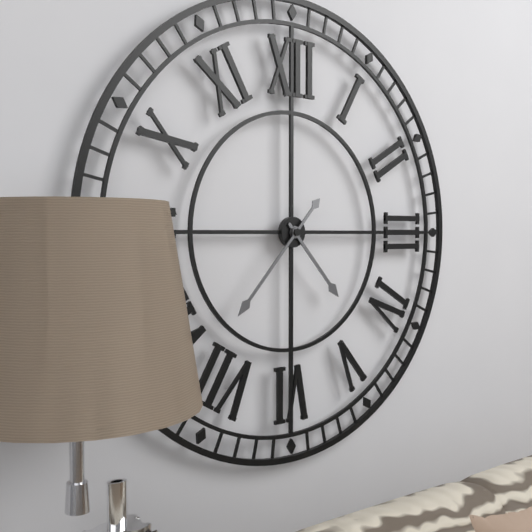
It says 4 h 37 min
